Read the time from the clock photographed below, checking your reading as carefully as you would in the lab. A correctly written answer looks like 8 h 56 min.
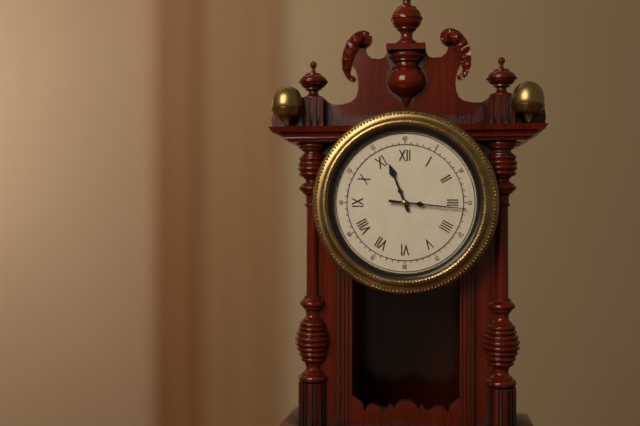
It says 11 h 16 min
